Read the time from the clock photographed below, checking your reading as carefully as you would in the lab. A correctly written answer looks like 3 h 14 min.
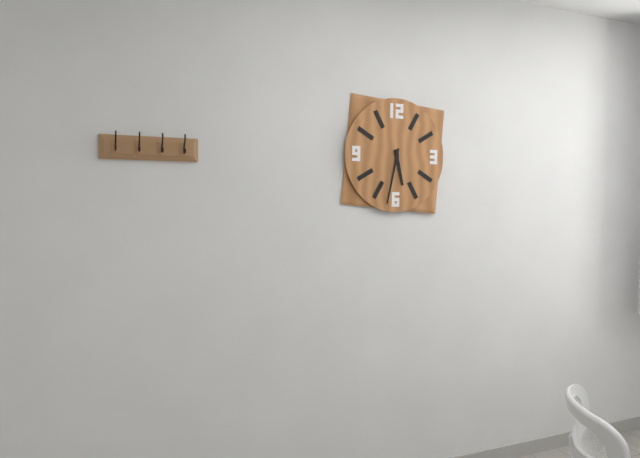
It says 5 h 32 min
